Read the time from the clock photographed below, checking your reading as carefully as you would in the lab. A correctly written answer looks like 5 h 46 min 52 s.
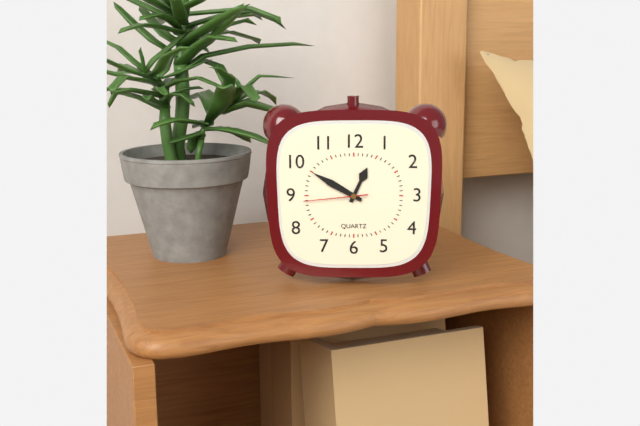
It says 12 h 50 min 44 s
